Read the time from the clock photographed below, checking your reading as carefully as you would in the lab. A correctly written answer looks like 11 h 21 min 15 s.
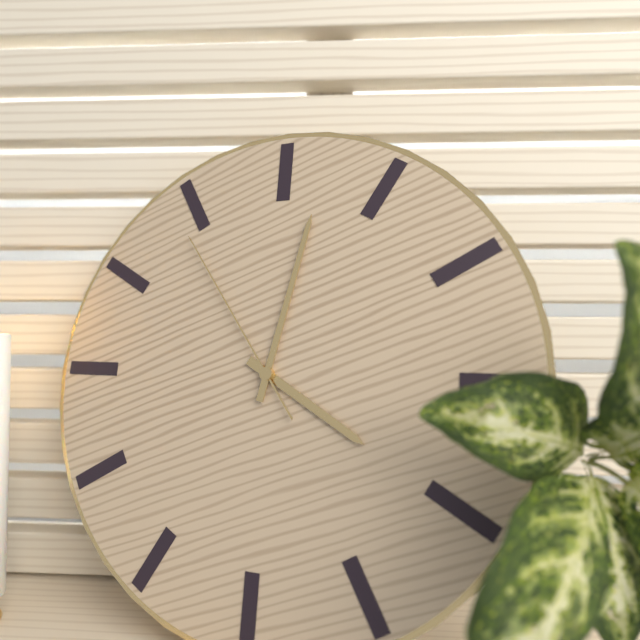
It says 4 h 02 min 54 s
